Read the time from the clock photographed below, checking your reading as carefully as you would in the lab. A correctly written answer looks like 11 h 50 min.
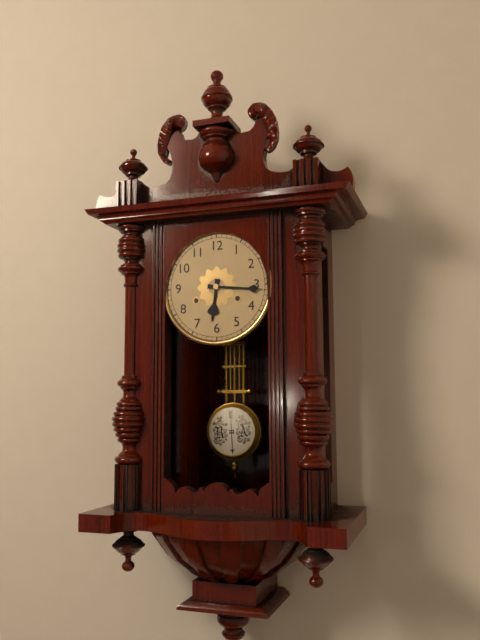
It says 6 h 16 min
